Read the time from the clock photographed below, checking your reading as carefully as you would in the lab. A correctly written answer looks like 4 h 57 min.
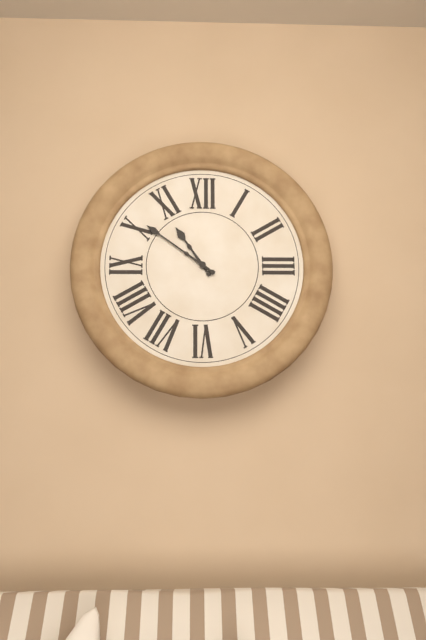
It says 10 h 51 min
